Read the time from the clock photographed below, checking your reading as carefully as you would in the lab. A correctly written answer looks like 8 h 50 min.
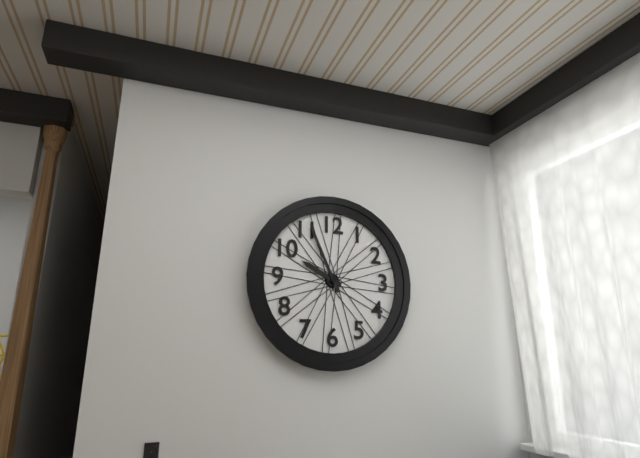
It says 9 h 56 min
